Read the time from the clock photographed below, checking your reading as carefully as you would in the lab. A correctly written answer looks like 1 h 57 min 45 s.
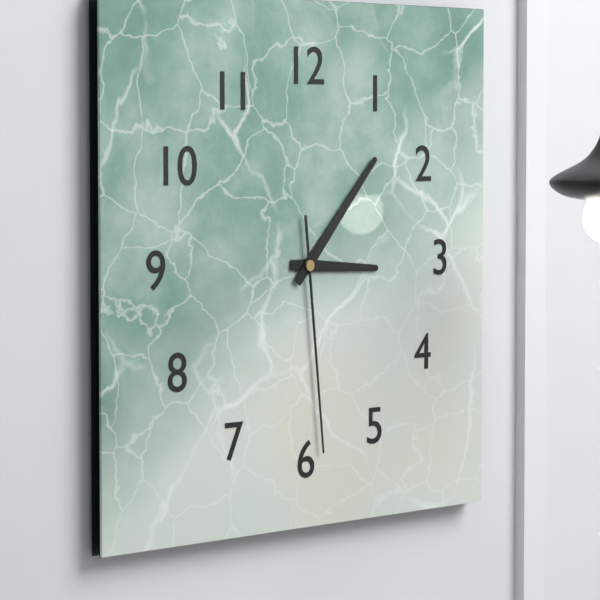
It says 3 h 07 min 29 s
